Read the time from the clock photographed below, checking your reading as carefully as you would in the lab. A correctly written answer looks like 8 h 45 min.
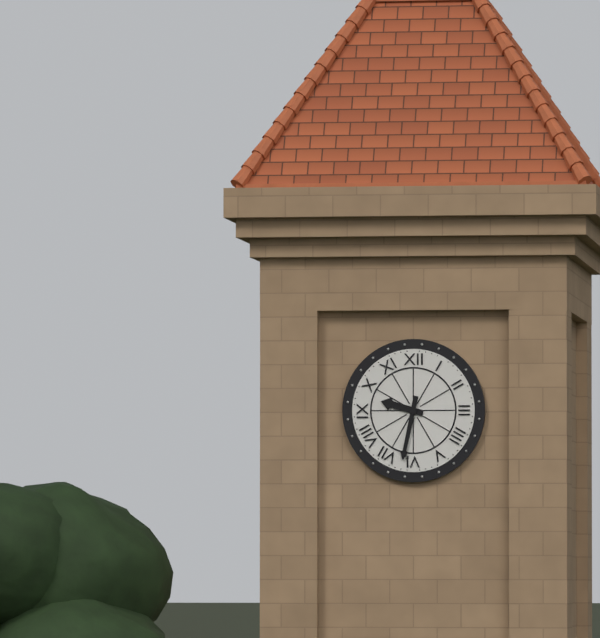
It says 9 h 32 min
